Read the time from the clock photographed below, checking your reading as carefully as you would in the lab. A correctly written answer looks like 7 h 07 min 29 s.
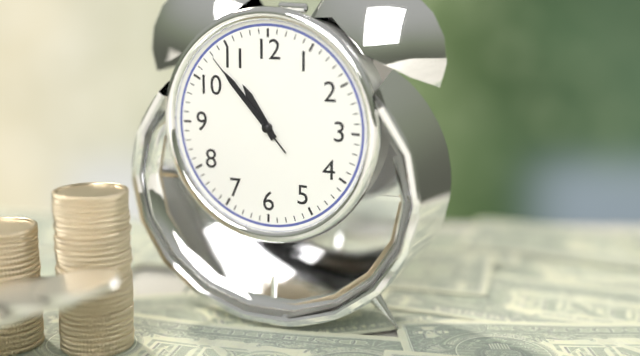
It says 10 h 53 min 53 s
